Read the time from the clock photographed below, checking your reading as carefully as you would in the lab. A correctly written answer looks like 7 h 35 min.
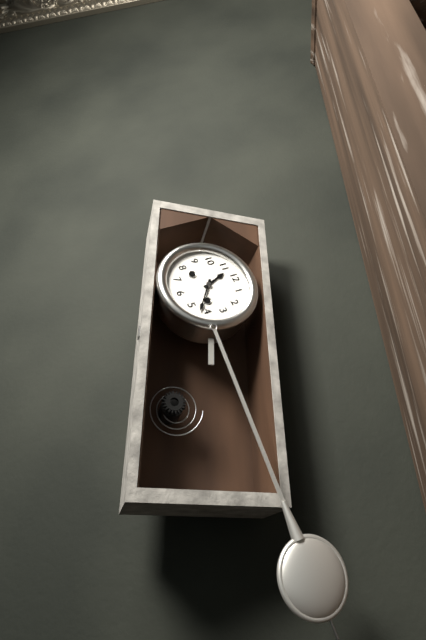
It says 11 h 22 min
